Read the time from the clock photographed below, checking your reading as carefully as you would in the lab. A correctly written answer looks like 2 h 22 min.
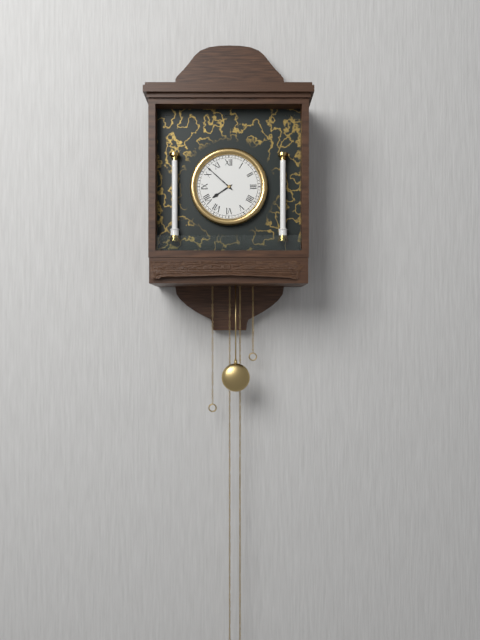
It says 7 h 52 min
